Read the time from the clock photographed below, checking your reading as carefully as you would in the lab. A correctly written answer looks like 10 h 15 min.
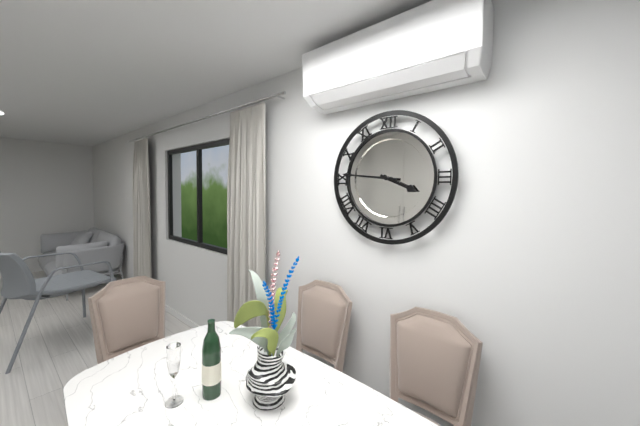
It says 3 h 46 min
